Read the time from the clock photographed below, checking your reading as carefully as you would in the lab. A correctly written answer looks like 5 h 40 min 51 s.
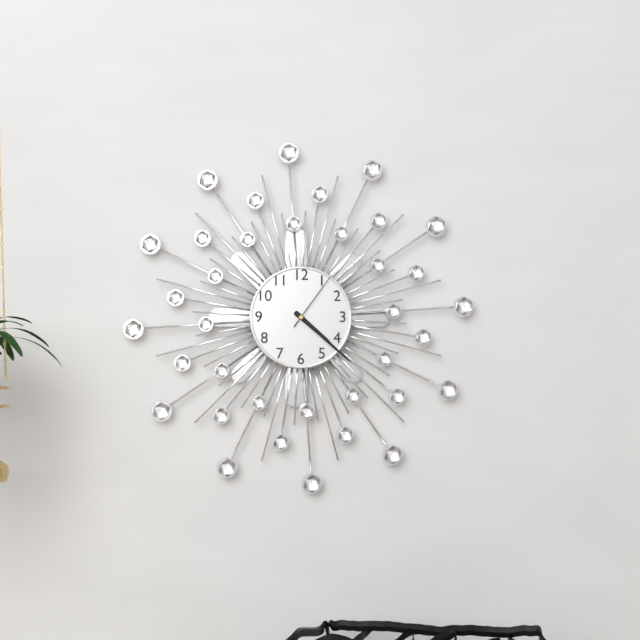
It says 4 h 22 min 06 s
